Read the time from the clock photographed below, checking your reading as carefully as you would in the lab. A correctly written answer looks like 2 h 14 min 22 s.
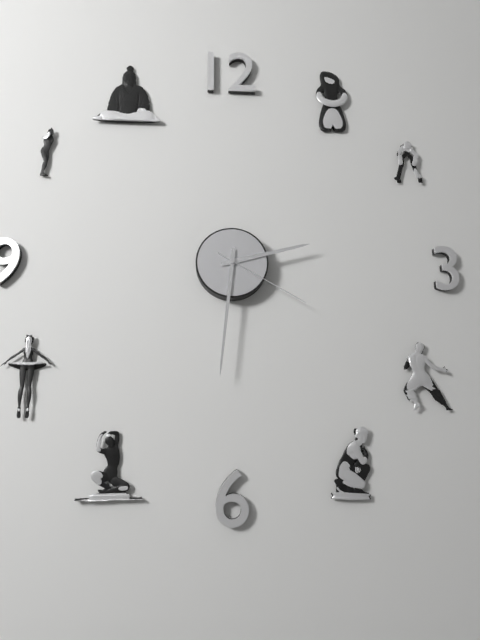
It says 2 h 31 min 20 s
